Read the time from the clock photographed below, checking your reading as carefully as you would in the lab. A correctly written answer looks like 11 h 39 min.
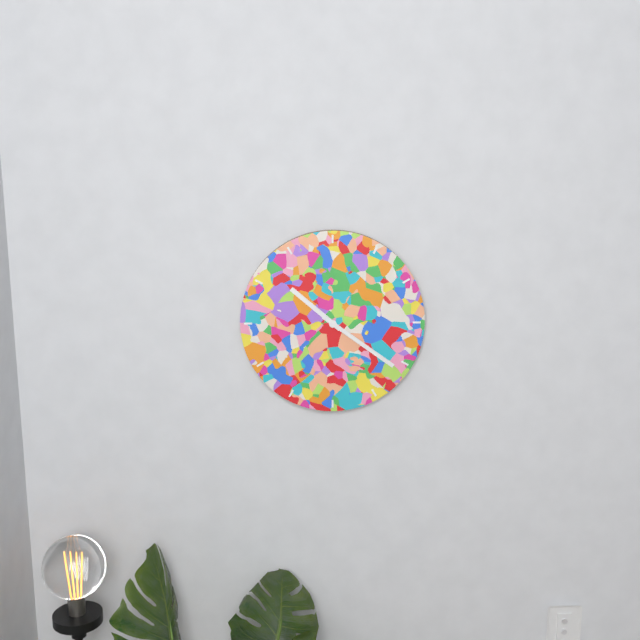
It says 10 h 21 min
